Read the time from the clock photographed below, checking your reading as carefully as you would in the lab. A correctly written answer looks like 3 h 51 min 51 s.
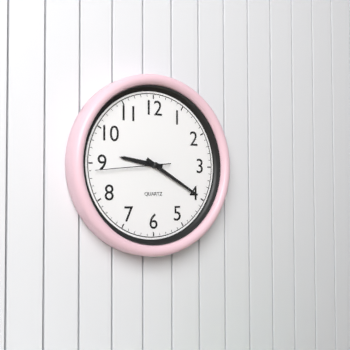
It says 9 h 20 min 44 s
